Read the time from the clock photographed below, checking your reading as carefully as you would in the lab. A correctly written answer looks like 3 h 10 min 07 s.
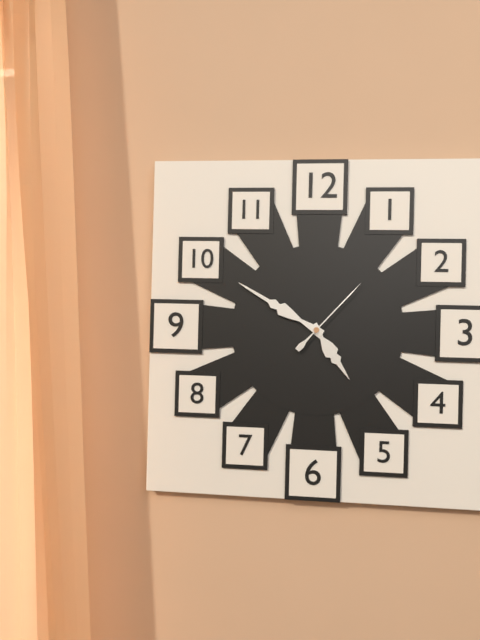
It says 4 h 50 min 07 s
